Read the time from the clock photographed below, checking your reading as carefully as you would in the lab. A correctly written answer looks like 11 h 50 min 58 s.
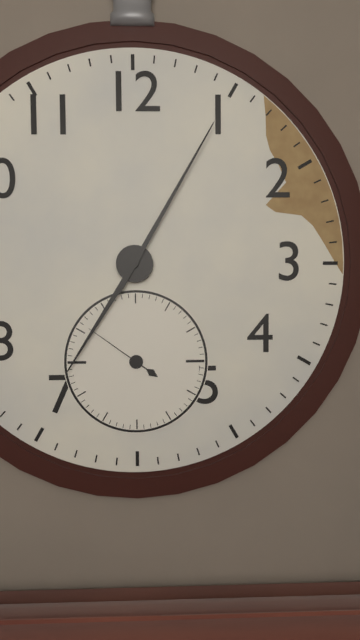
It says 7 h 05 min 51 s
